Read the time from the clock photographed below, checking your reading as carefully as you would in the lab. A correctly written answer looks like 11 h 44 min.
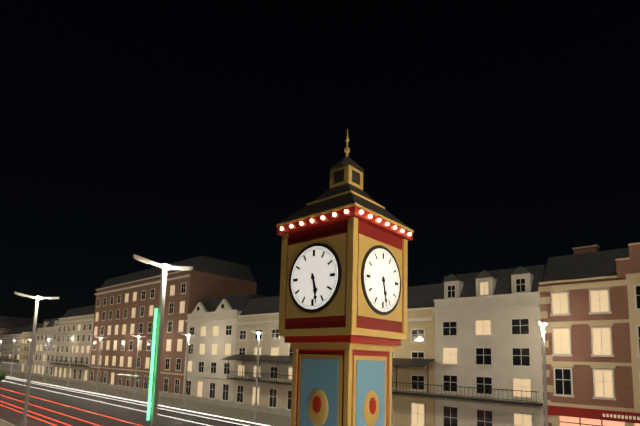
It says 5 h 28 min
